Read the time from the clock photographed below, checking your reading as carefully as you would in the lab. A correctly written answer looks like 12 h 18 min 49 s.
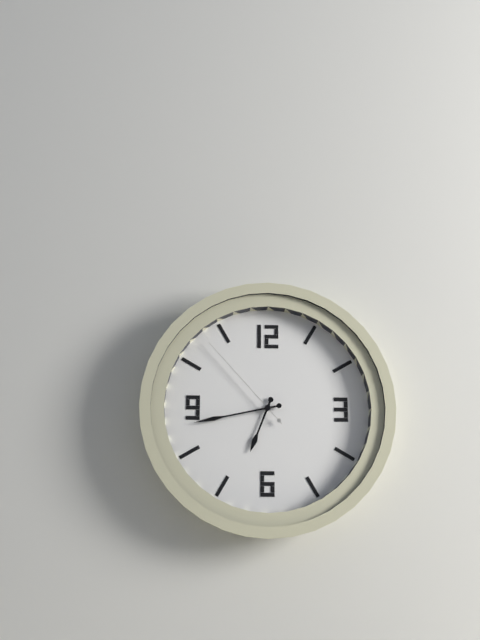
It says 6 h 43 min 53 s
